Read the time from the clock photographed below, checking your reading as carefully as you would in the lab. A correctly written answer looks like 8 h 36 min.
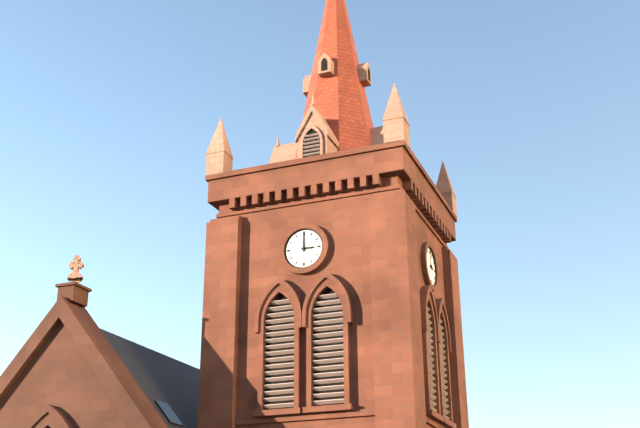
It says 3 h 00 min
